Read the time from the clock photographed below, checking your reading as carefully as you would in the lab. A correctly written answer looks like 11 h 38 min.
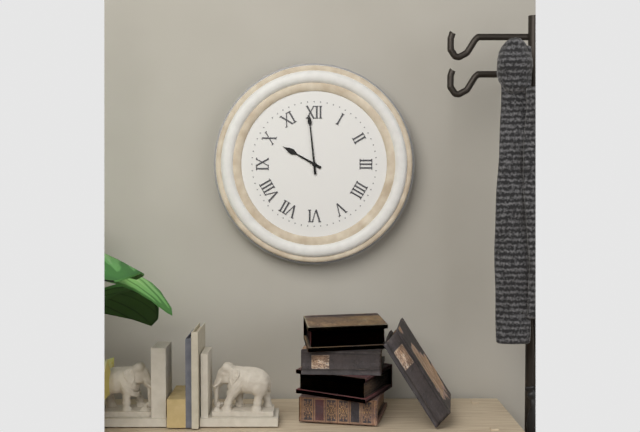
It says 9 h 59 min
